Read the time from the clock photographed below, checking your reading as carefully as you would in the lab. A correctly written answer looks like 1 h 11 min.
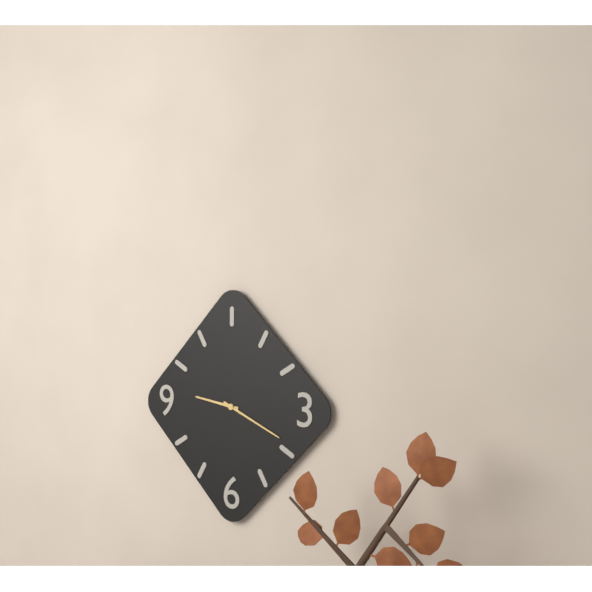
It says 9 h 19 min
